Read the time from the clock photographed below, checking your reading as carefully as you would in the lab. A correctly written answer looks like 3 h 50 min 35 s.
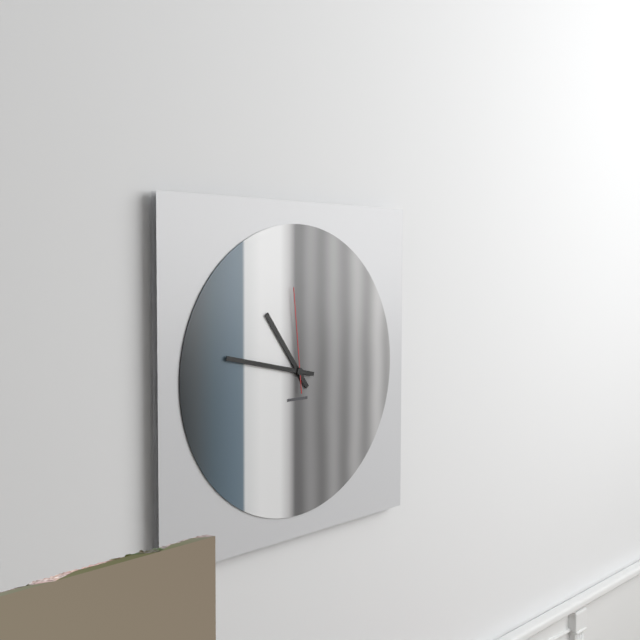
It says 10 h 47 min 59 s
